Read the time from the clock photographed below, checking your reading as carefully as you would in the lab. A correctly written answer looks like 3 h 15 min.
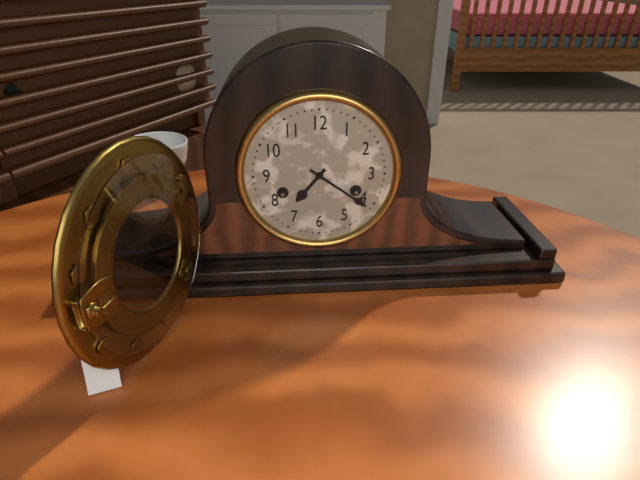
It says 7 h 21 min
